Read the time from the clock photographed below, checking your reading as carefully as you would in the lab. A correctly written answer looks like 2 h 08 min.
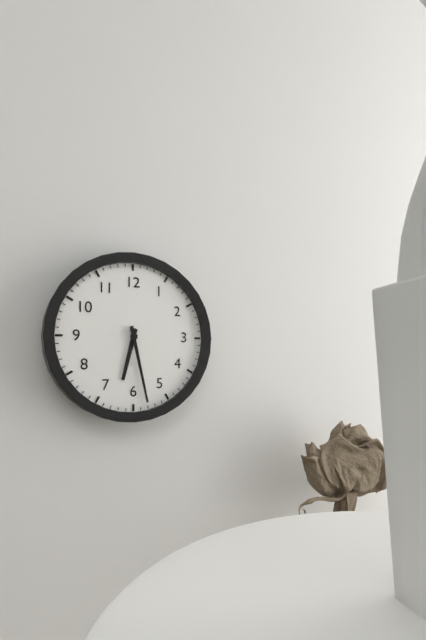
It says 6 h 28 min
